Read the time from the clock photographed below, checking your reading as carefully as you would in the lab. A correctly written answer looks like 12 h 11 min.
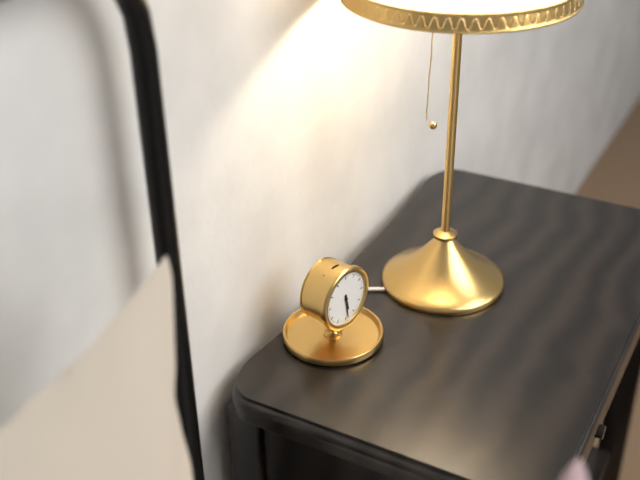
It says 5 h 29 min
